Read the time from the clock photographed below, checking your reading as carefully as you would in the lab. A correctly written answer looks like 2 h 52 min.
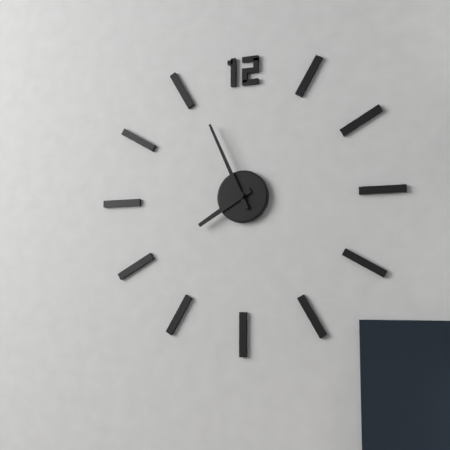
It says 7 h 56 min
